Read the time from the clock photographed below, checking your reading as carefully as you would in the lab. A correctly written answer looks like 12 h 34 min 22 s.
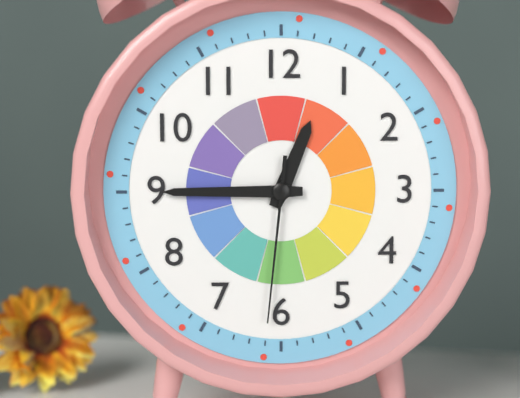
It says 12 h 45 min 31 s
